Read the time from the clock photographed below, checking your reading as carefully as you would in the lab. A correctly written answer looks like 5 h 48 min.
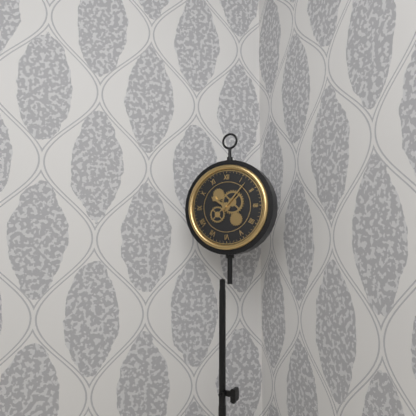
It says 10 h 07 min
